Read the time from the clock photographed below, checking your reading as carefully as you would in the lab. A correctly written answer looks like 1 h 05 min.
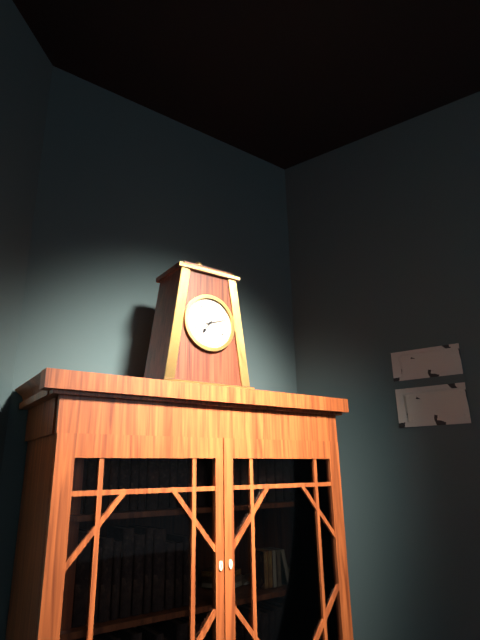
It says 7 h 12 min
